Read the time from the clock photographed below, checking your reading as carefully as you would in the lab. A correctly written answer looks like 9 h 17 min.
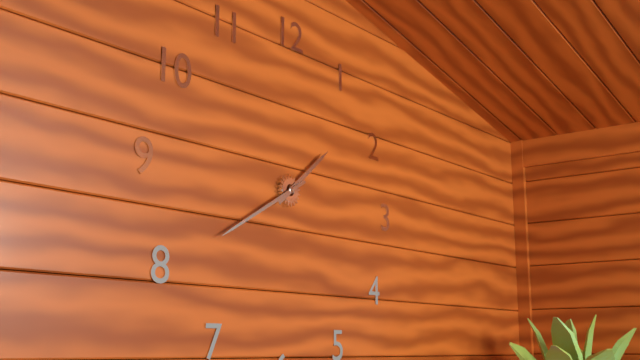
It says 1 h 40 min
